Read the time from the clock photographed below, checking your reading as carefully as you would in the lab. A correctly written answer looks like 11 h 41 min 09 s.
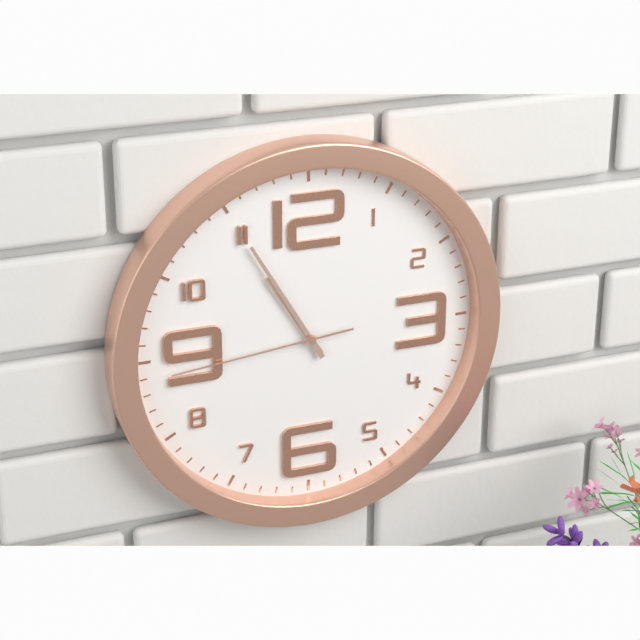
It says 10 h 55 min 44 s
